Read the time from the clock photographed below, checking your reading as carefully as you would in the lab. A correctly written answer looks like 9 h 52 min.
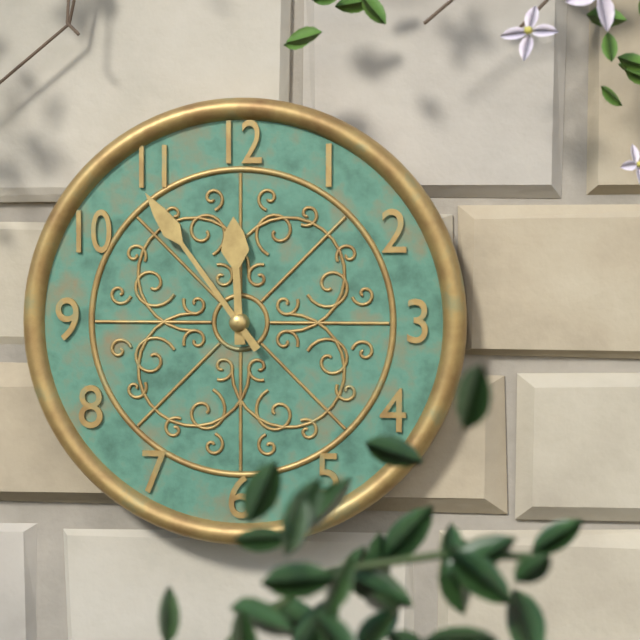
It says 11 h 54 min
